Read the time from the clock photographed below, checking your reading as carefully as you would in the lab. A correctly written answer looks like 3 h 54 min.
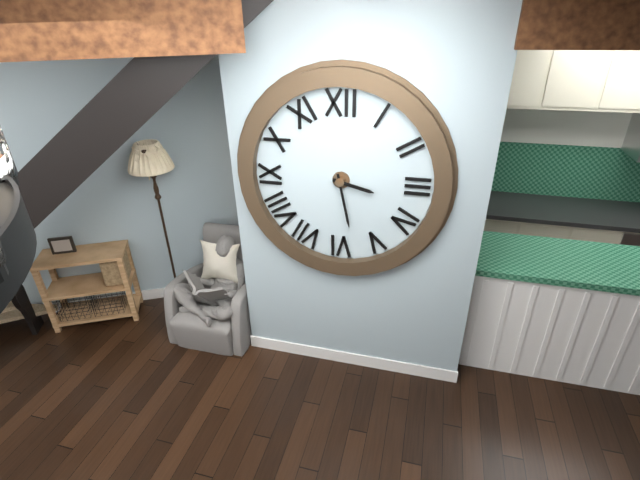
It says 3 h 28 min
